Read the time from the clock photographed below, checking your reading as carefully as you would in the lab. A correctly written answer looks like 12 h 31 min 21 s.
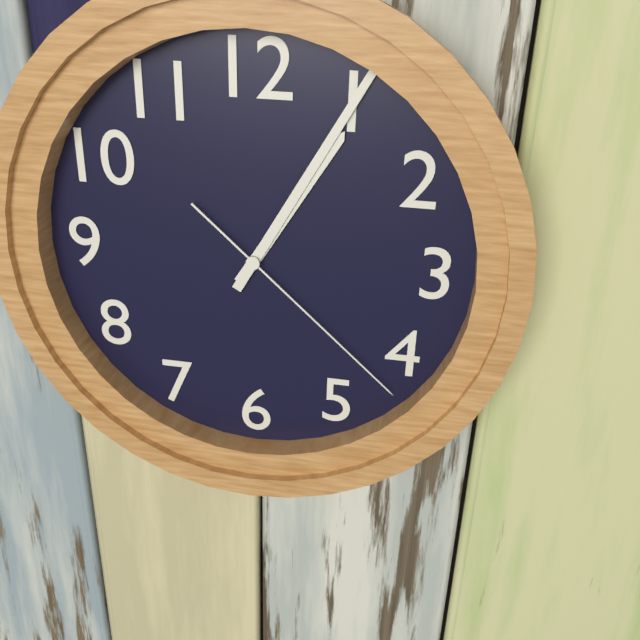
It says 1 h 05 min 22 s
